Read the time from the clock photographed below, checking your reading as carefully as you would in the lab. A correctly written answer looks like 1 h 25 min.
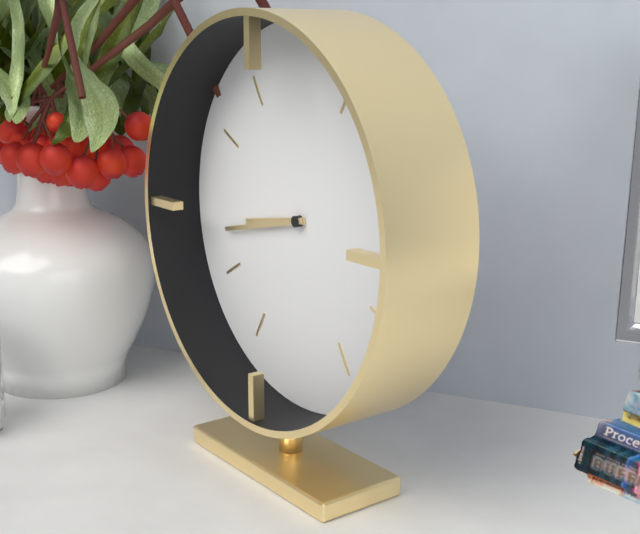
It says 8 h 43 min
